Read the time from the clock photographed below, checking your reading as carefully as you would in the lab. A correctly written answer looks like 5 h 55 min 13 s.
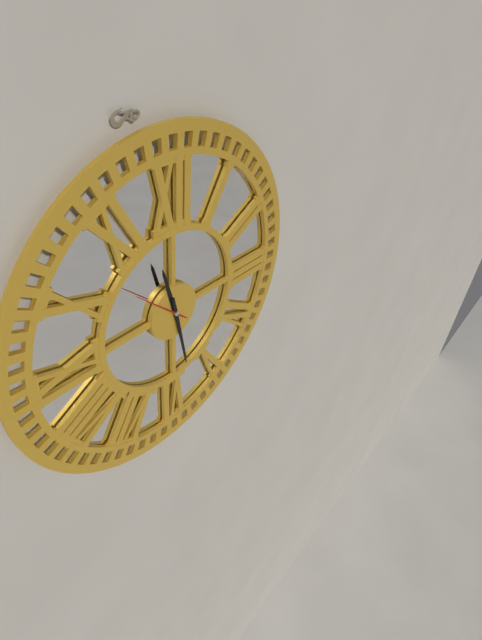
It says 11 h 28 min 52 s
